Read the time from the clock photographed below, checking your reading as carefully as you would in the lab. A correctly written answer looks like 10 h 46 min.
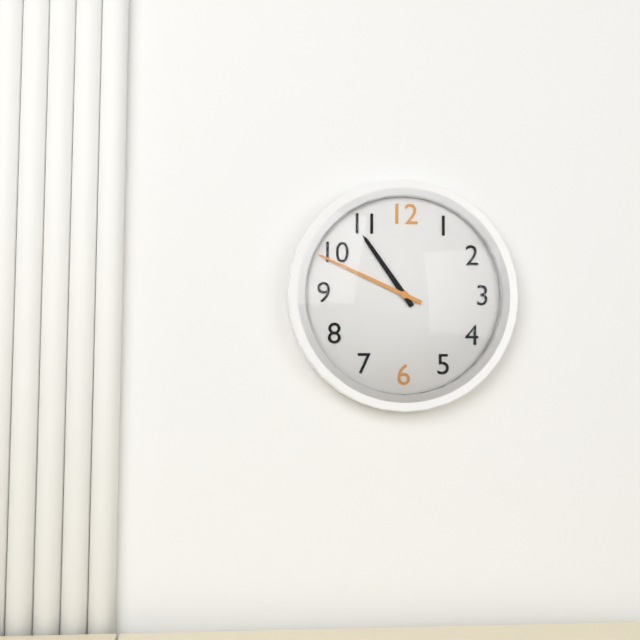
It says 10 h 49 min
